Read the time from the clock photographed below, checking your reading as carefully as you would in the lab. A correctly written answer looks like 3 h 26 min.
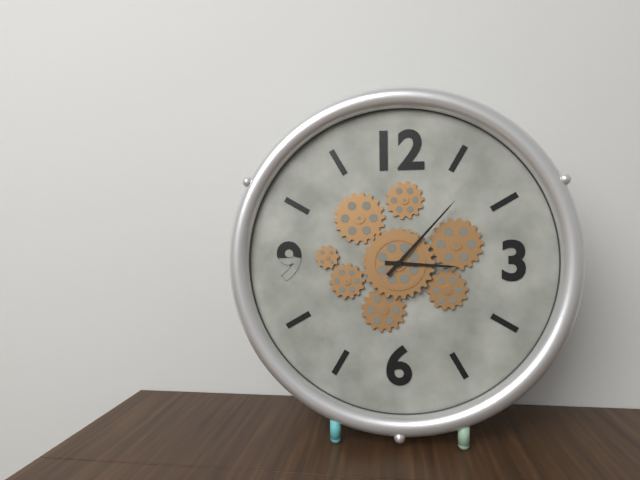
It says 3 h 07 min
